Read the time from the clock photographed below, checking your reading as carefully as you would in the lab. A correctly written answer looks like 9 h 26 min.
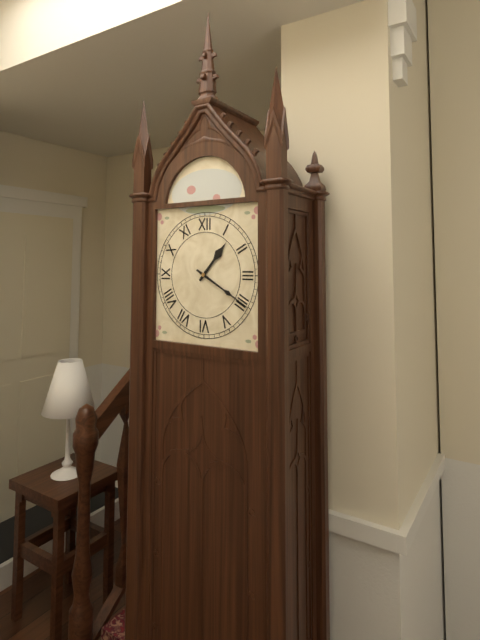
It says 1 h 20 min
